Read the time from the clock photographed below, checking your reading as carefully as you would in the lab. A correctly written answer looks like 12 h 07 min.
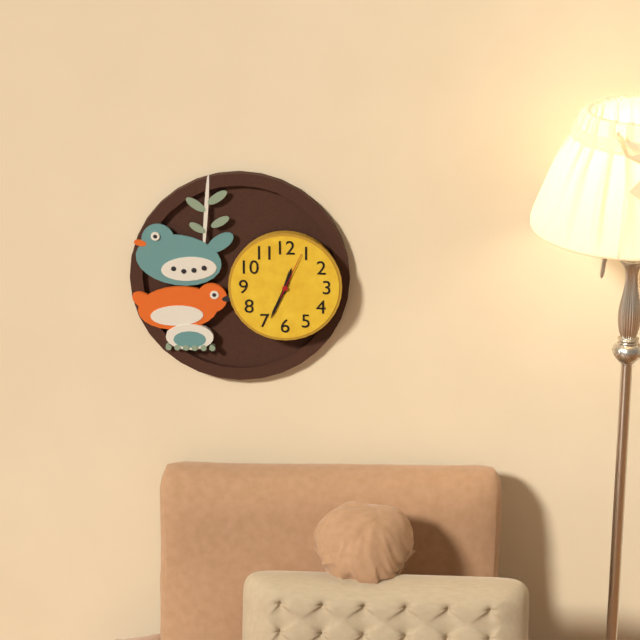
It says 12 h 34 min
